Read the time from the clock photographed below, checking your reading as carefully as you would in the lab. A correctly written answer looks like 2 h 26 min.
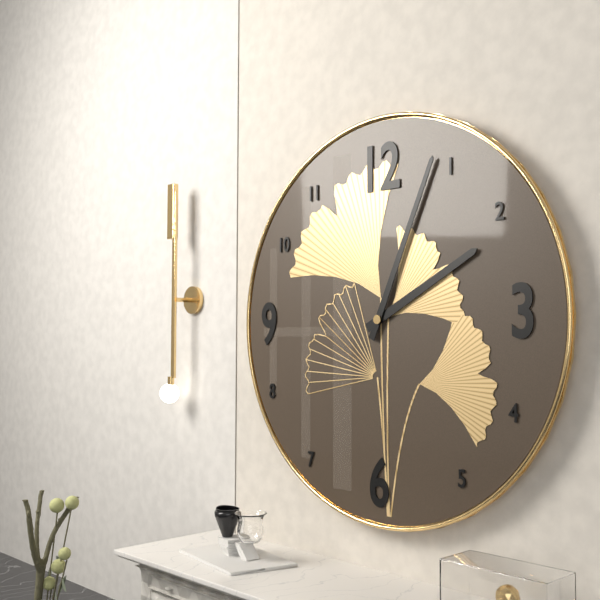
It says 2 h 04 min
